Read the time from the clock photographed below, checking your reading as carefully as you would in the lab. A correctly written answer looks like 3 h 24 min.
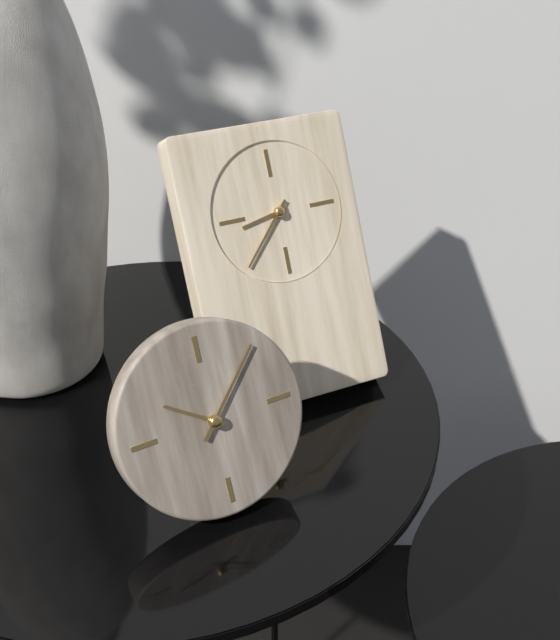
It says 8 h 37 min
